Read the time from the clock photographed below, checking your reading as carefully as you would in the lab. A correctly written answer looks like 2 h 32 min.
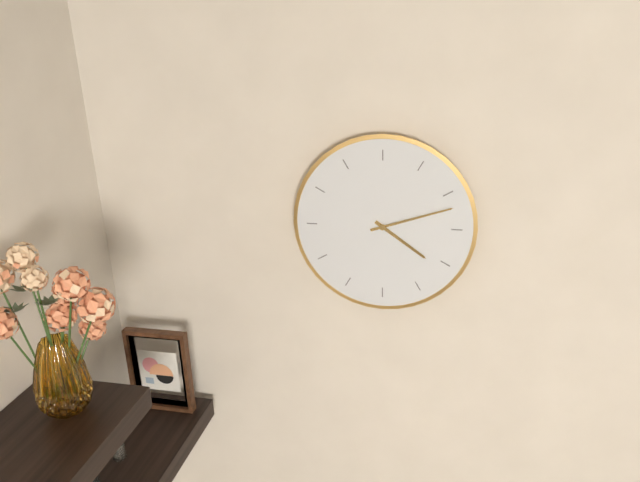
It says 4 h 12 min
